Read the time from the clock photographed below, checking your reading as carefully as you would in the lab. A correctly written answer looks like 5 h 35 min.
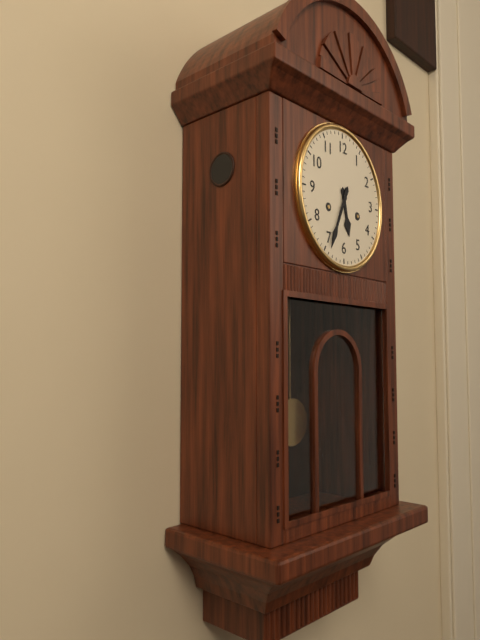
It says 5 h 34 min
